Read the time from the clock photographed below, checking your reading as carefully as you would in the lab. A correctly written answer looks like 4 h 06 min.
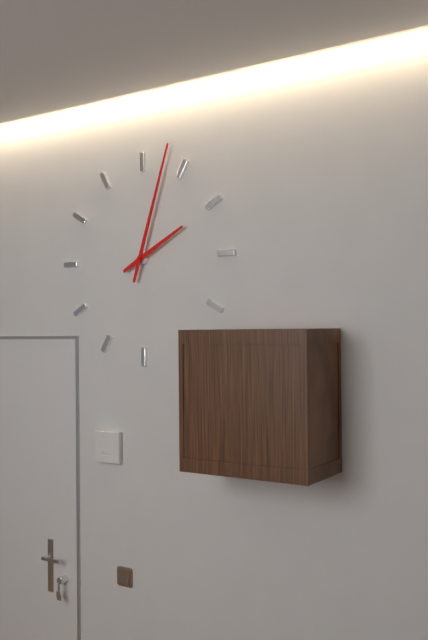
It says 2 h 03 min
